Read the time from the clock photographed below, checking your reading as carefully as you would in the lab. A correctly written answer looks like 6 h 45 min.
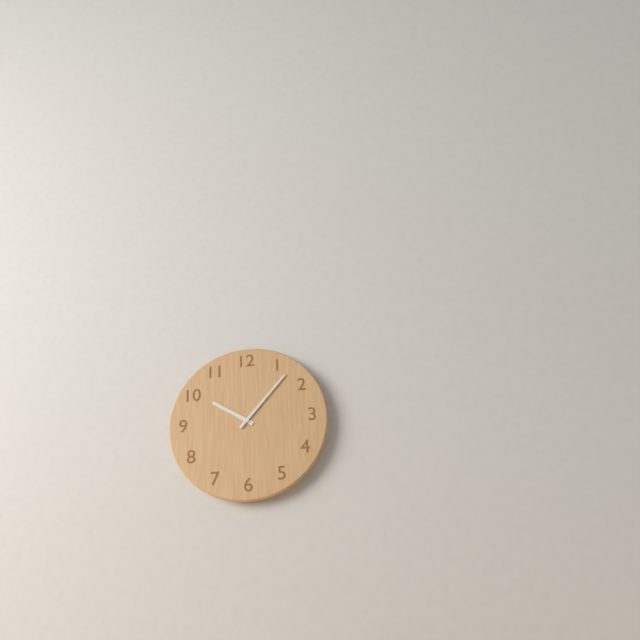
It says 10 h 07 min
